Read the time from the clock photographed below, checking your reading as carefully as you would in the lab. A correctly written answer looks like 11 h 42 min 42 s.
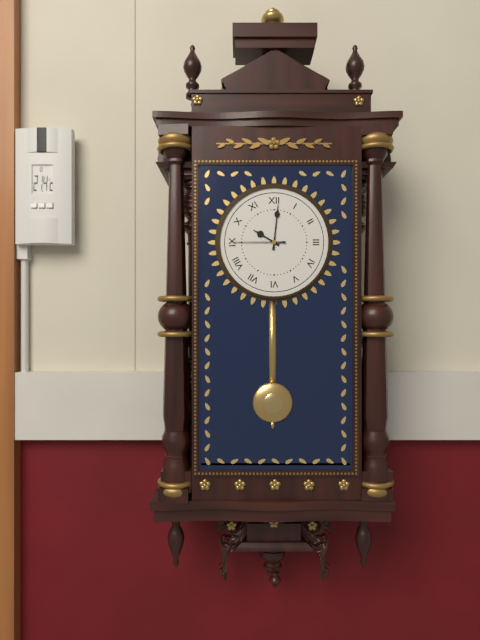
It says 10 h 01 min 45 s
